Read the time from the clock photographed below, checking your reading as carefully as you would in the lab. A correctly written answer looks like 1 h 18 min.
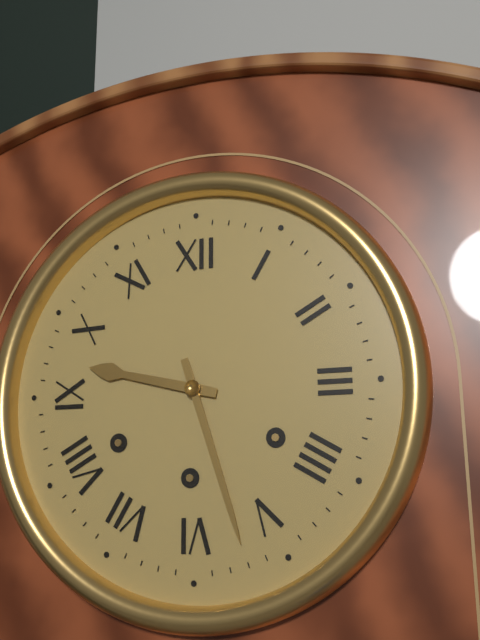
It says 9 h 27 min
